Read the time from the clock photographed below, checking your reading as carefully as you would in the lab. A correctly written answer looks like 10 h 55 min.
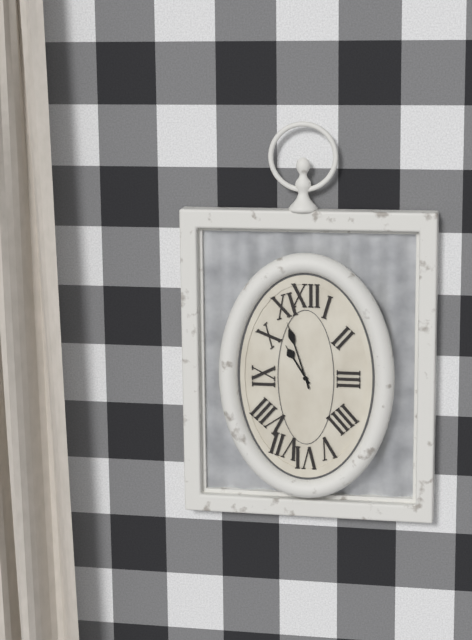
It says 10 h 57 min
